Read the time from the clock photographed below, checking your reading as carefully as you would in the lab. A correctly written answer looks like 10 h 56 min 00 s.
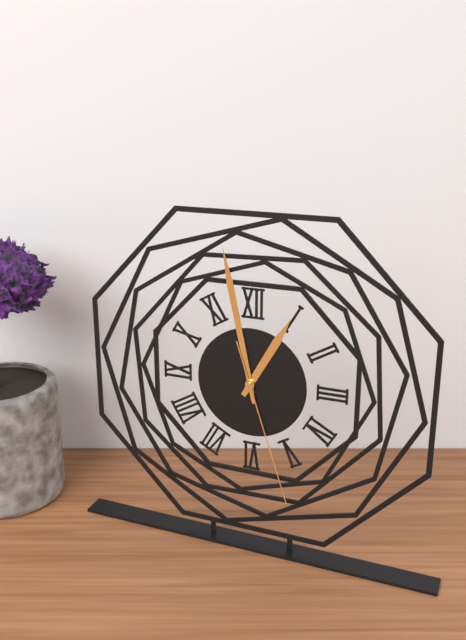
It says 12 h 58 min 27 s
